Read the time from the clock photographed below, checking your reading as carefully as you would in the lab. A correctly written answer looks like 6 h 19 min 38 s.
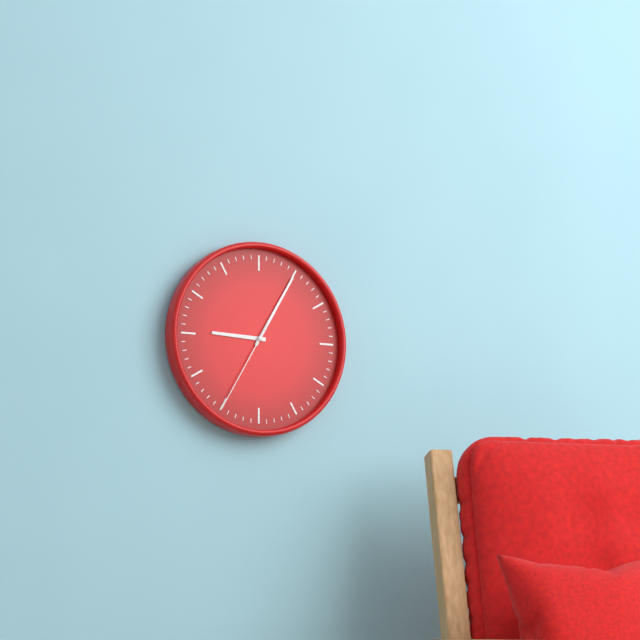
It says 9 h 05 min 35 s
